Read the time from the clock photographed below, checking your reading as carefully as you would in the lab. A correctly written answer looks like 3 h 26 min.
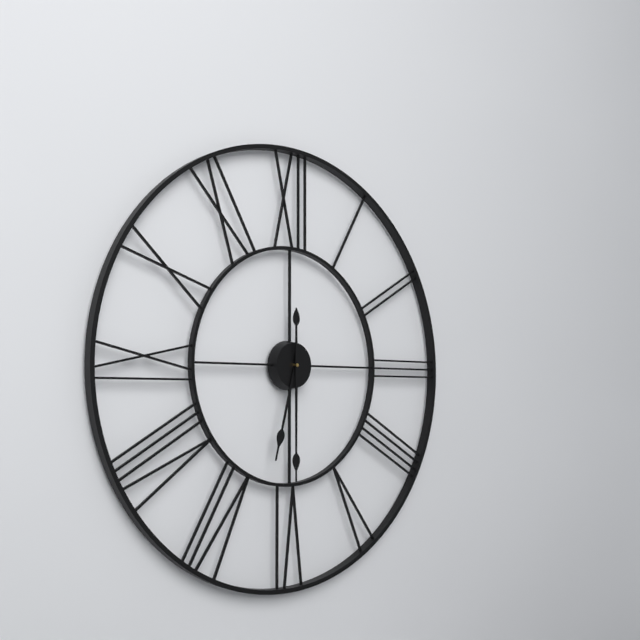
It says 6 h 30 min
